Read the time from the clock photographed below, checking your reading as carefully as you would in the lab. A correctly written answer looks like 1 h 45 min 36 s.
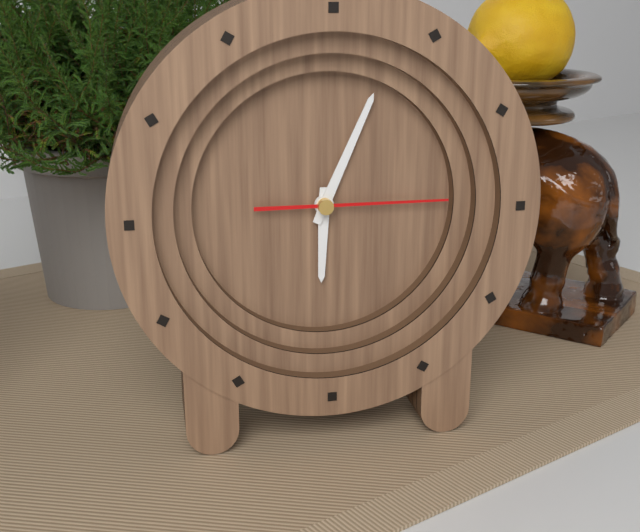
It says 6 h 04 min 15 s
